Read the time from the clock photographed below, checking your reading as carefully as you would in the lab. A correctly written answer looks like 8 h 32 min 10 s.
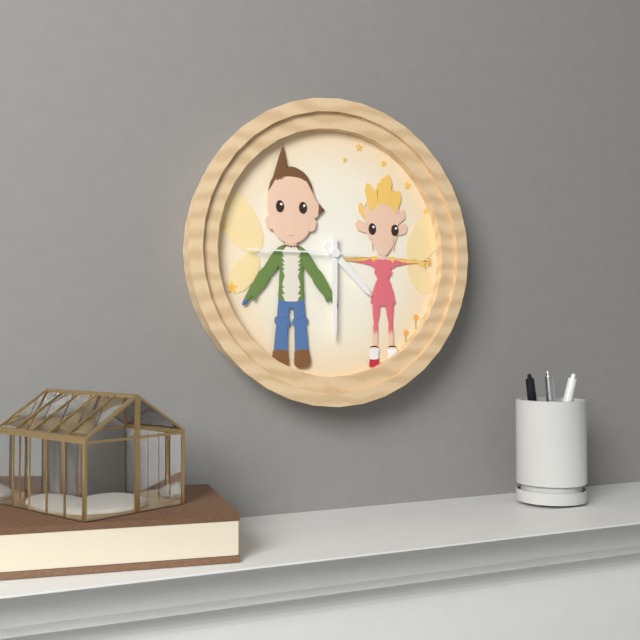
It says 4 h 30 min 45 s
